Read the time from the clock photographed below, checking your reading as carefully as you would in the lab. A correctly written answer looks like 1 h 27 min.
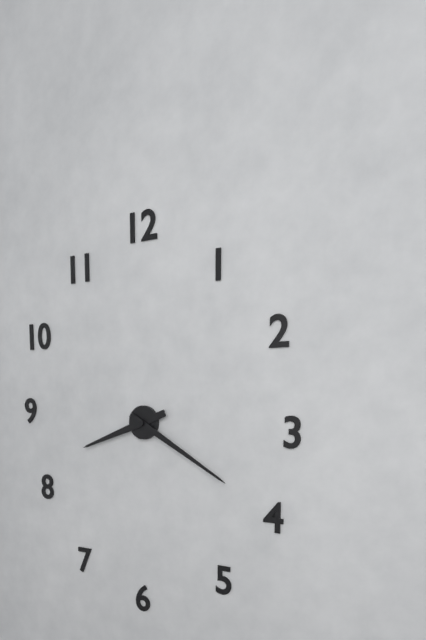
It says 8 h 20 min
